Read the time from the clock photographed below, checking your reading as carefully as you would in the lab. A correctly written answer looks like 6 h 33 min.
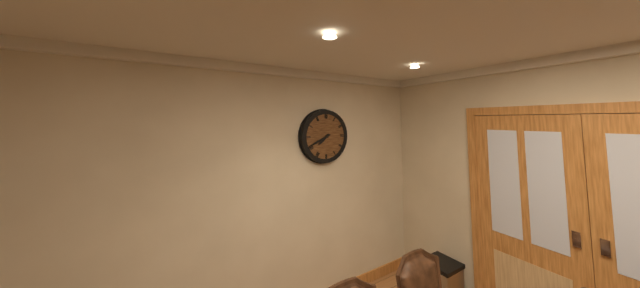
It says 7 h 41 min
